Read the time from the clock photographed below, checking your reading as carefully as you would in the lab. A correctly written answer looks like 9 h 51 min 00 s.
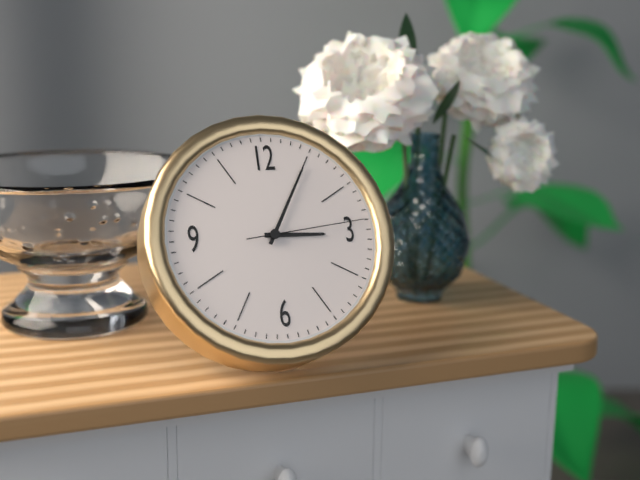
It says 3 h 05 min 14 s
